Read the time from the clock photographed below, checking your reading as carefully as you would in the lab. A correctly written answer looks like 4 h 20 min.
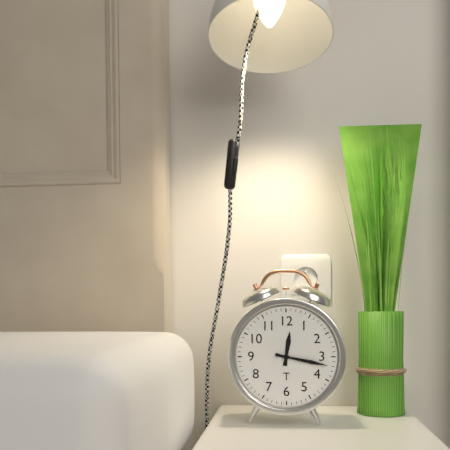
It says 12 h 17 min
